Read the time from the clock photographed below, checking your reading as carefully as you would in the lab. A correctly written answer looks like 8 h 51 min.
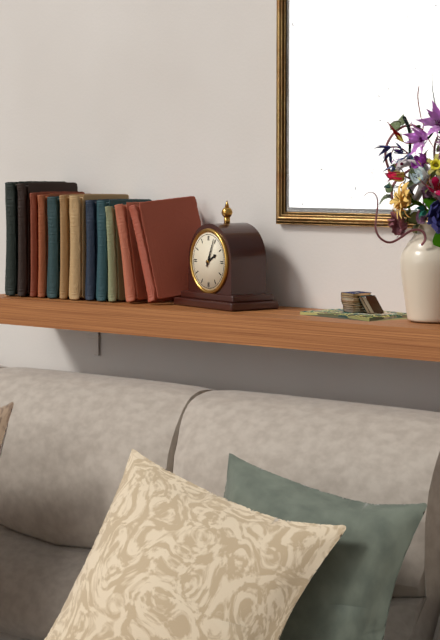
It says 2 h 04 min
